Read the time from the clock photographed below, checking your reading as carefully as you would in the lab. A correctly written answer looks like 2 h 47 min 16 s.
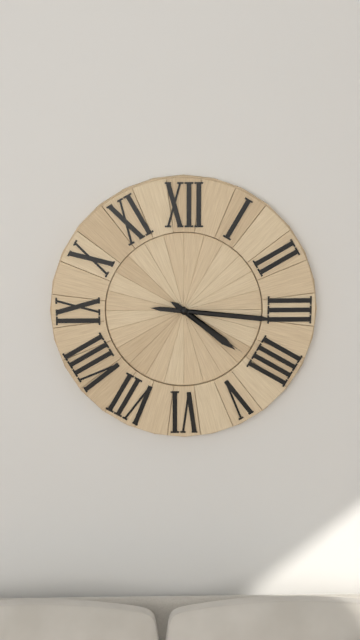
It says 4 h 16 min 21 s
